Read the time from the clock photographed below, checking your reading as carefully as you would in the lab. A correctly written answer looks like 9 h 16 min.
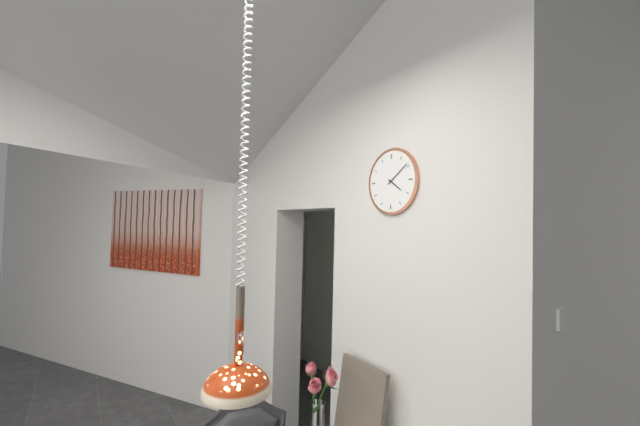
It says 4 h 09 min
